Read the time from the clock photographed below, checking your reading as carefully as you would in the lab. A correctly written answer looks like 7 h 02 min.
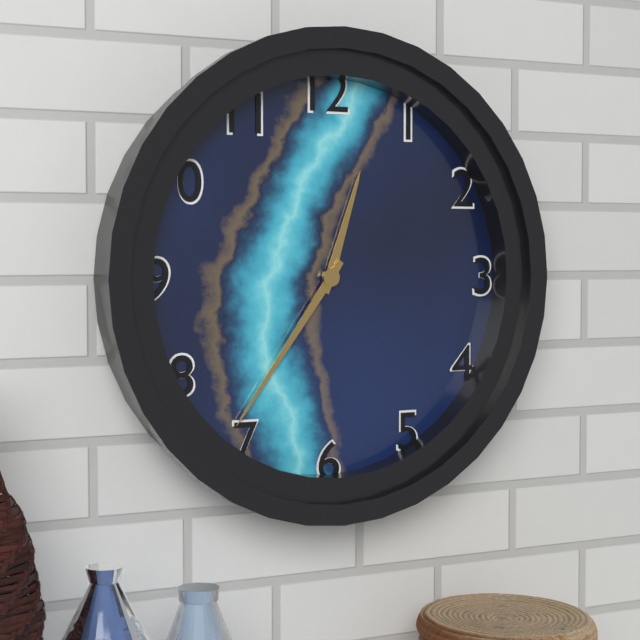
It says 12 h 36 min
